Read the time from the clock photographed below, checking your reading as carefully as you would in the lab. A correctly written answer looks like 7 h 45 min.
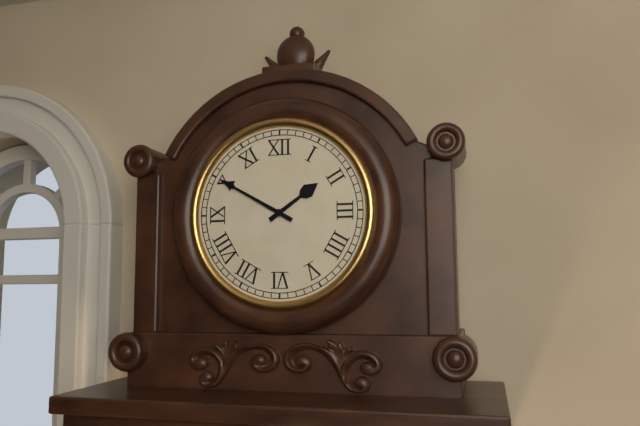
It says 1 h 50 min
